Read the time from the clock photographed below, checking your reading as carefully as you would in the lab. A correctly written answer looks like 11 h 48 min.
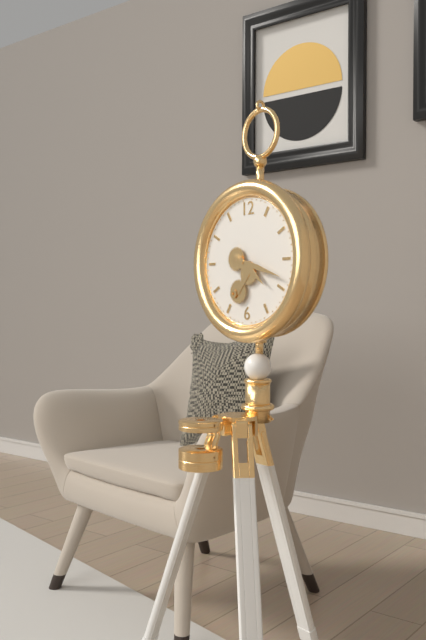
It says 4 h 18 min
